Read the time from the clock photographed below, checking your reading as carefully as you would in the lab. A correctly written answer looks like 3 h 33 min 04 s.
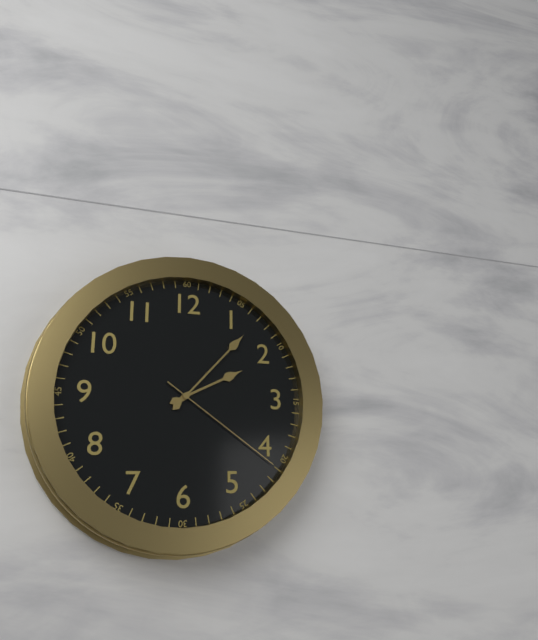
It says 2 h 07 min 21 s
